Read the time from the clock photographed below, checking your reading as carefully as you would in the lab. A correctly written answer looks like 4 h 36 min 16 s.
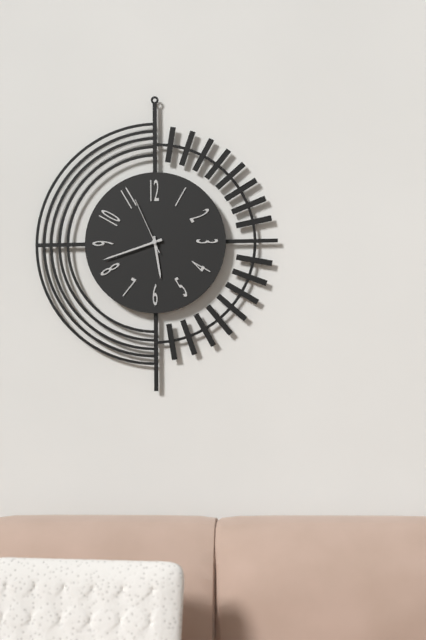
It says 5 h 42 min 56 s
